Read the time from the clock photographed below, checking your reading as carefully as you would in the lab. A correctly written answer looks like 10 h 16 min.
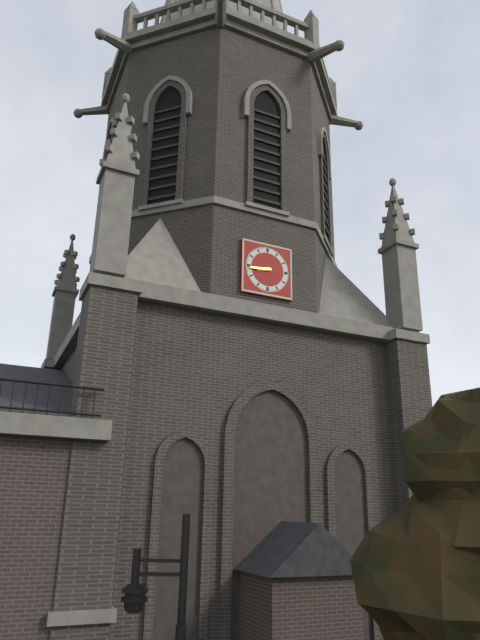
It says 8 h 44 min
